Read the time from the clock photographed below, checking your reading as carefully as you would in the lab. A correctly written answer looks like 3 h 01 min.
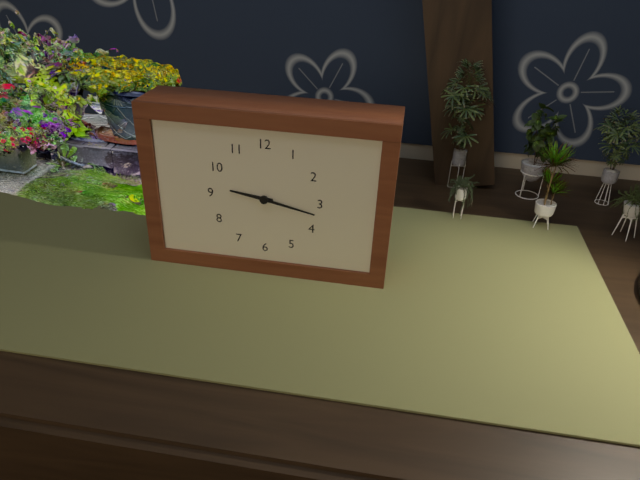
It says 9 h 17 min
